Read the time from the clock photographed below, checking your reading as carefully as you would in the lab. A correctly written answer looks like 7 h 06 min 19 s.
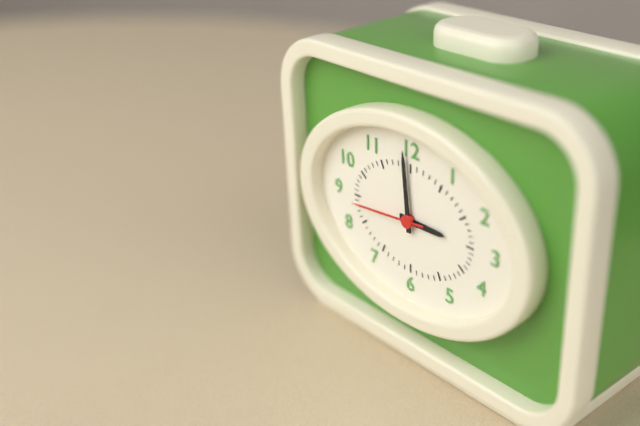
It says 2 h 59 min 44 s
